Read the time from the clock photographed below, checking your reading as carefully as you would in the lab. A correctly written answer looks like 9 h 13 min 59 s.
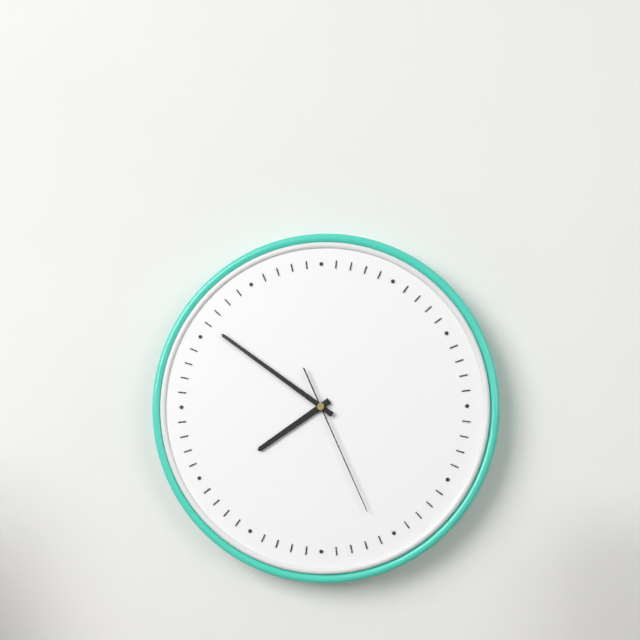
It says 7 h 51 min 26 s
